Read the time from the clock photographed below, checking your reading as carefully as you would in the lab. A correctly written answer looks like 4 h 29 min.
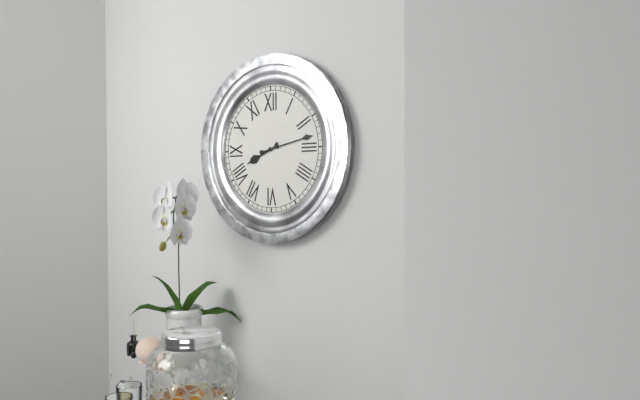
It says 8 h 13 min
